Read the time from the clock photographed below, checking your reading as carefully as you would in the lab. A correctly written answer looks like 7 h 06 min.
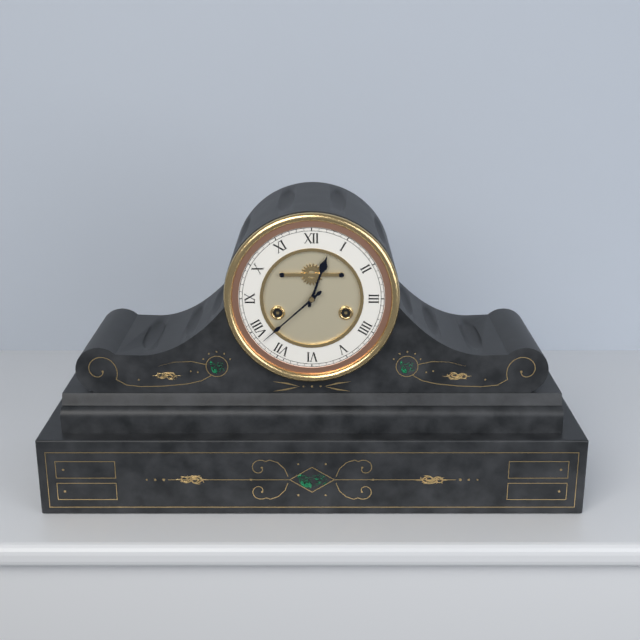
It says 12 h 38 min
